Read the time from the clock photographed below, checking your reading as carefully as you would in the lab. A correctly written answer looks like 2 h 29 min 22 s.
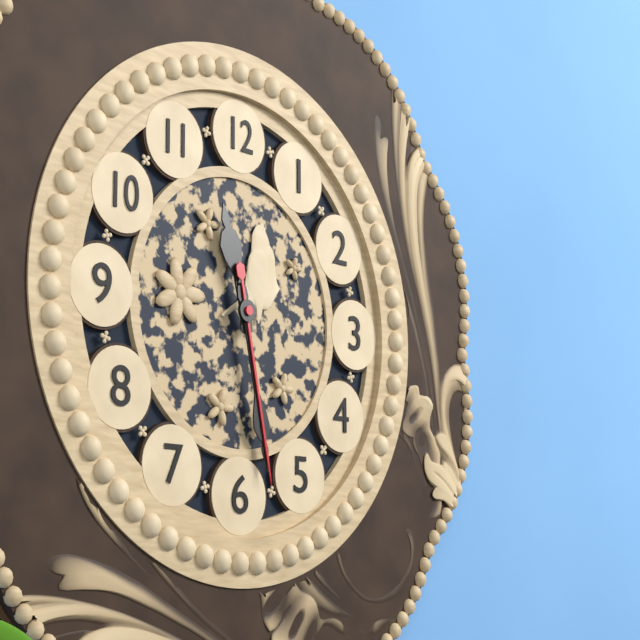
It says 11 h 28 min 28 s
